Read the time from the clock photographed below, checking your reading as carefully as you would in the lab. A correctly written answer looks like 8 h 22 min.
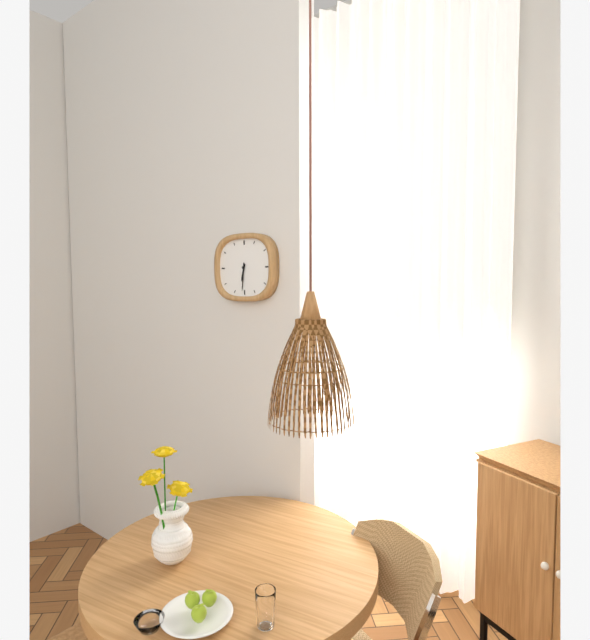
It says 6 h 31 min
